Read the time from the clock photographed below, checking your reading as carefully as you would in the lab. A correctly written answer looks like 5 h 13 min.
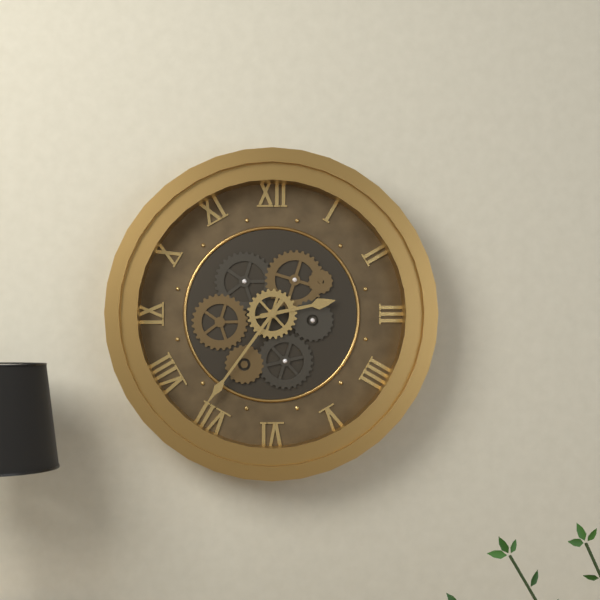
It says 2 h 36 min
